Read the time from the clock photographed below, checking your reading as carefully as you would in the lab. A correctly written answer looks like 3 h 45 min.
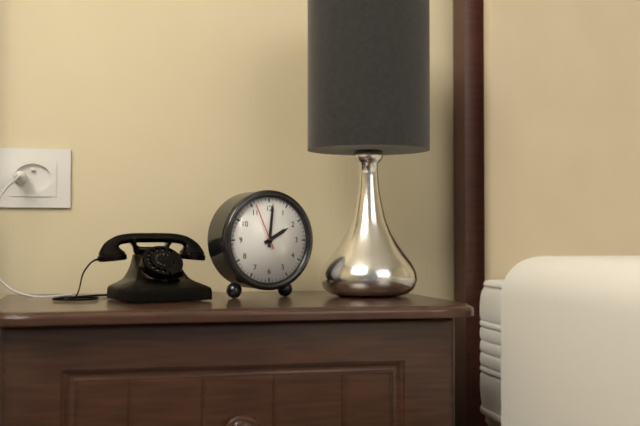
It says 2 h 01 min
